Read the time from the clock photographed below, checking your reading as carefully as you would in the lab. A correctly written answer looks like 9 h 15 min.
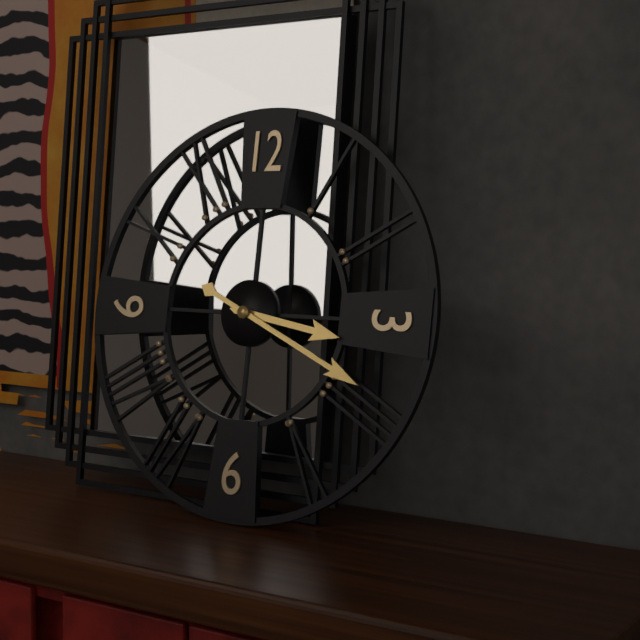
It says 3 h 19 min
